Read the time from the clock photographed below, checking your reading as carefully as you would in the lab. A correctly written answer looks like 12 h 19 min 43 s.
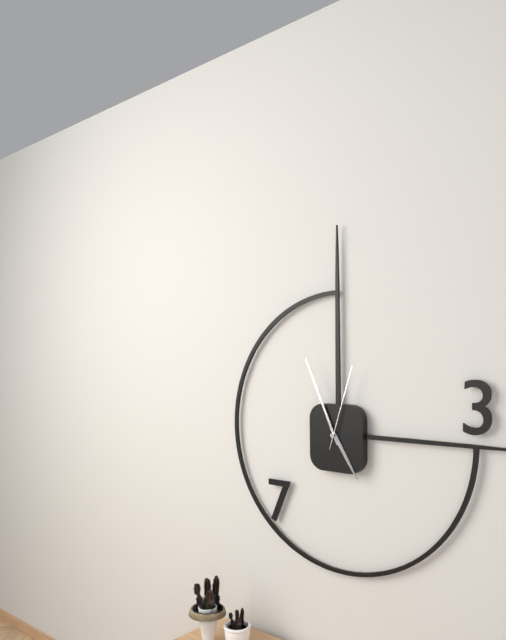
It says 4 h 56 min 03 s
